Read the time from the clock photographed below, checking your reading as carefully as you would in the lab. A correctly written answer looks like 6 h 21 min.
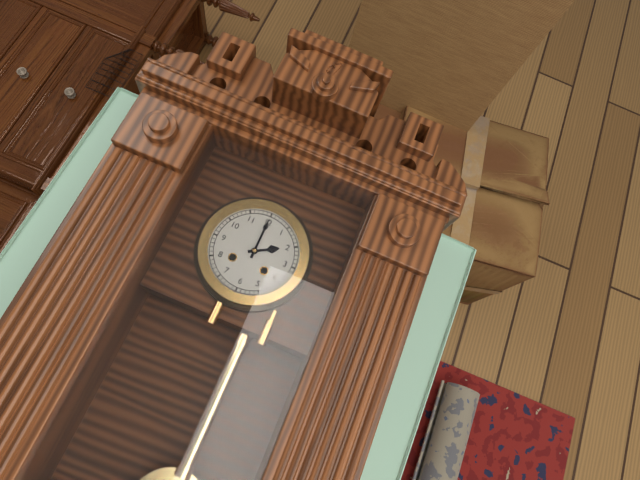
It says 2 h 00 min
